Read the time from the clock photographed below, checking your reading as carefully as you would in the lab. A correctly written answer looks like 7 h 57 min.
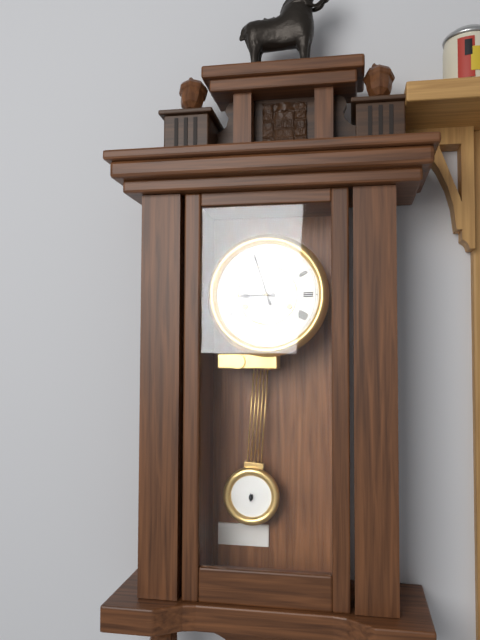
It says 8 h 57 min
